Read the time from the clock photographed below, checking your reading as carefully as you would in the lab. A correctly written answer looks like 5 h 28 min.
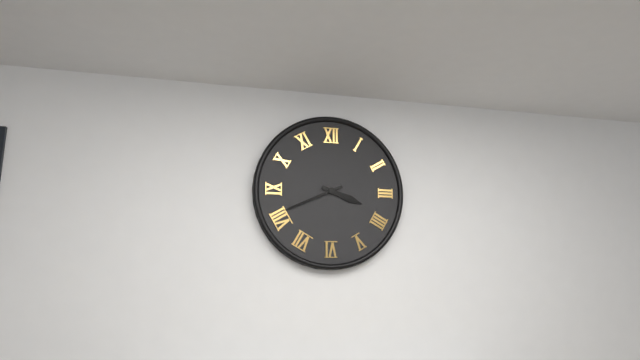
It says 3 h 41 min
